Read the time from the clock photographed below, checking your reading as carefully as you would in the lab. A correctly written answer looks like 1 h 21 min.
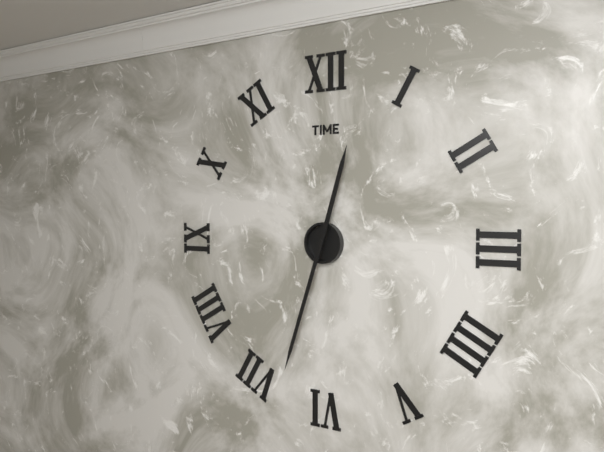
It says 12 h 33 min
